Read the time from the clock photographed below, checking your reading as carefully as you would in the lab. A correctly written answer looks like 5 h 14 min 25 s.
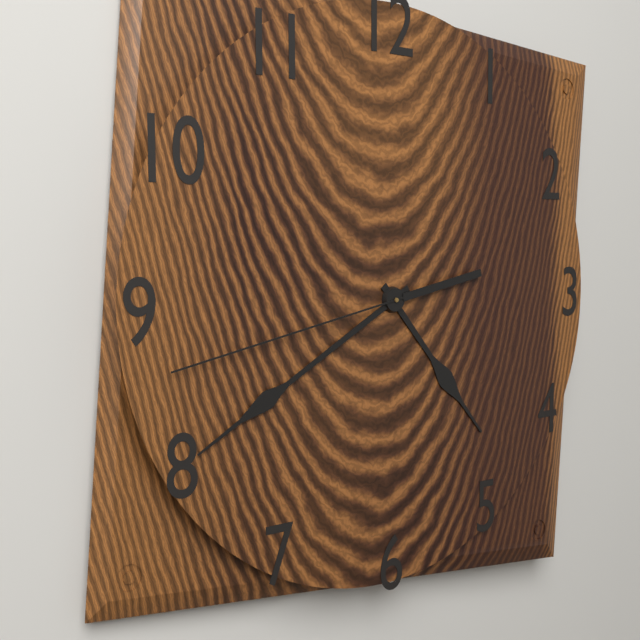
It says 4 h 40 min 43 s
